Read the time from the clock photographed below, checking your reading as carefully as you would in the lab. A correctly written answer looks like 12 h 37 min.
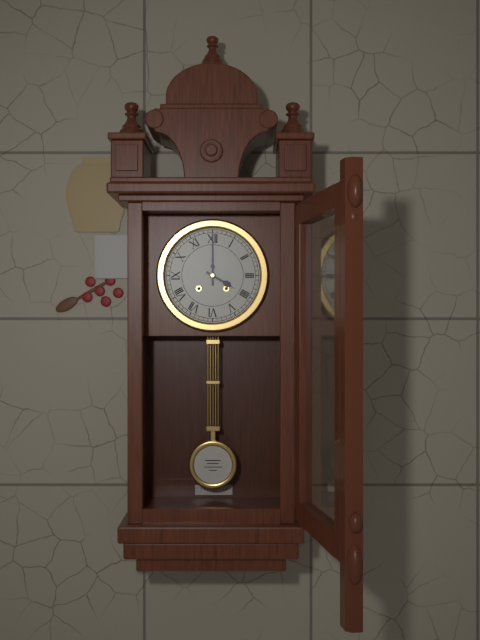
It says 4 h 00 min
